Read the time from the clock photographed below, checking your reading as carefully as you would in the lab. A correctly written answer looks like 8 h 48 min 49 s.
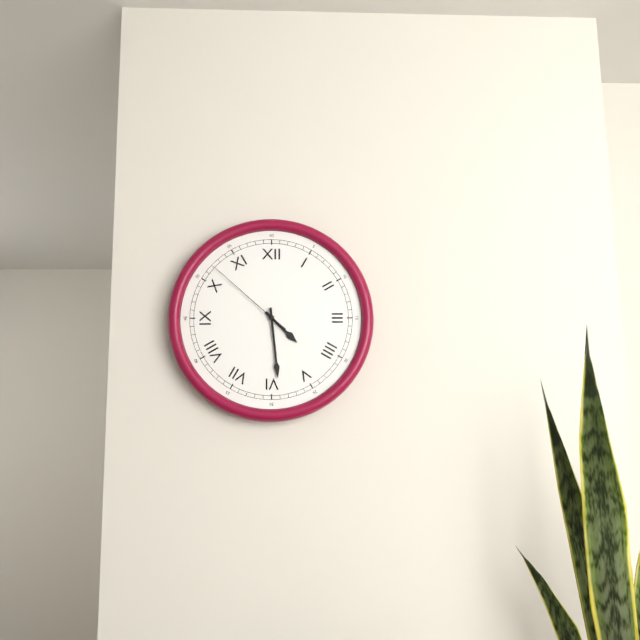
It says 4 h 29 min 52 s
